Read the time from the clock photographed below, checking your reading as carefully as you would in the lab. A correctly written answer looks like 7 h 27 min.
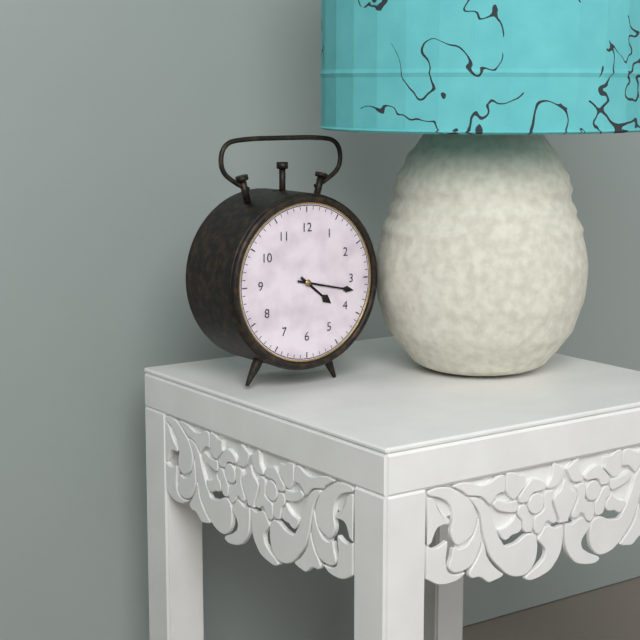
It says 4 h 17 min
